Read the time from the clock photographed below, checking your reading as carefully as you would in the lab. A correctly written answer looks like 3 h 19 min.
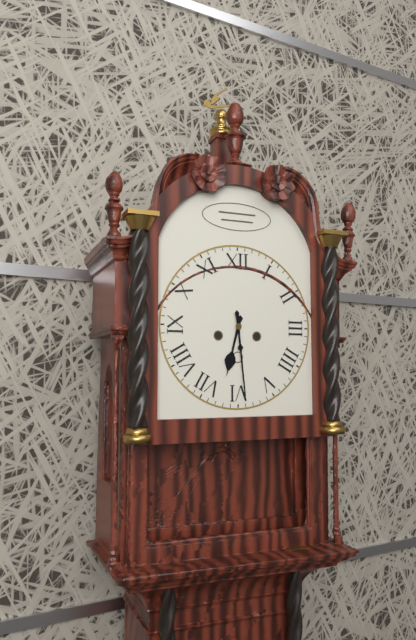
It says 6 h 29 min
